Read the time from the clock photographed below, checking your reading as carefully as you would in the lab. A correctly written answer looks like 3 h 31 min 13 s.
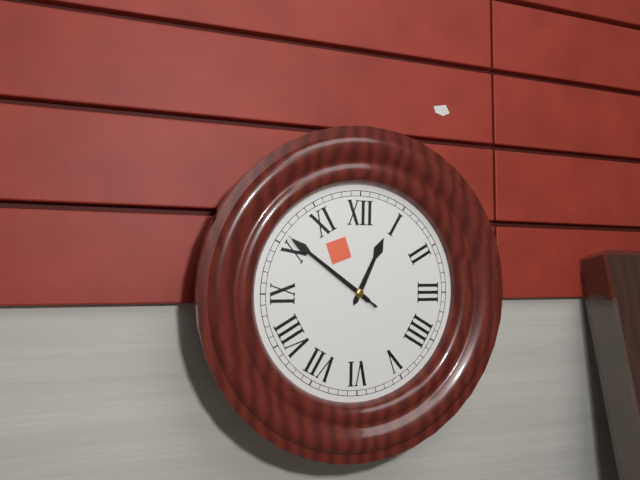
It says 12 h 51 min 51 s
